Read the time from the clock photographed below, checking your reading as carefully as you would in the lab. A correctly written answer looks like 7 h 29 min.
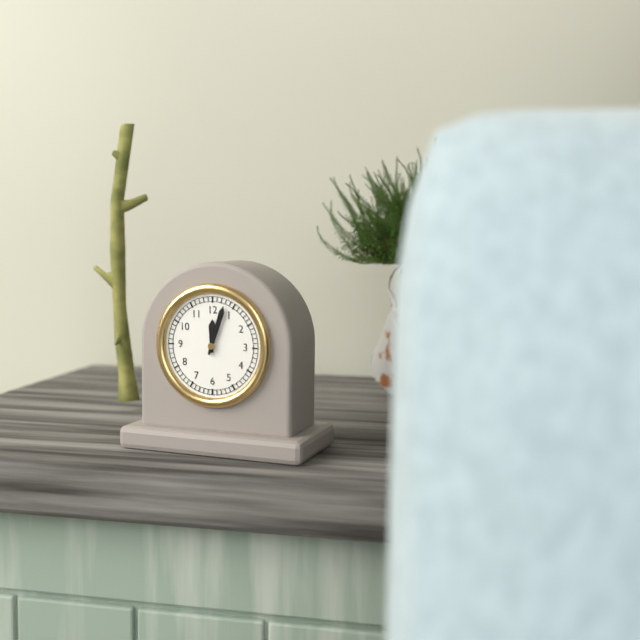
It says 12 h 03 min
